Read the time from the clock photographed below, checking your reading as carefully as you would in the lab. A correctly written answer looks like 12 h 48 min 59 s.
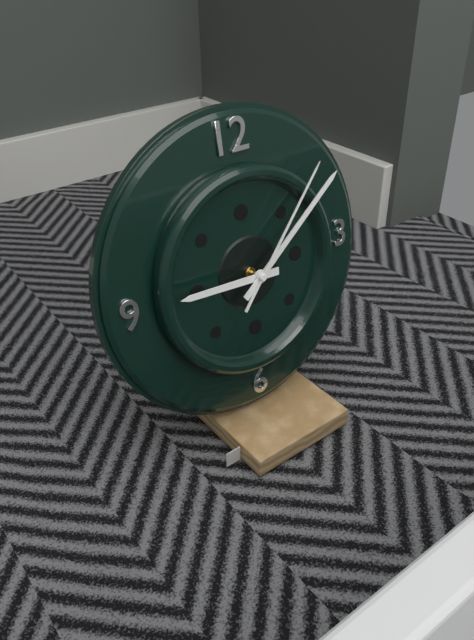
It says 9 h 09 min 07 s
